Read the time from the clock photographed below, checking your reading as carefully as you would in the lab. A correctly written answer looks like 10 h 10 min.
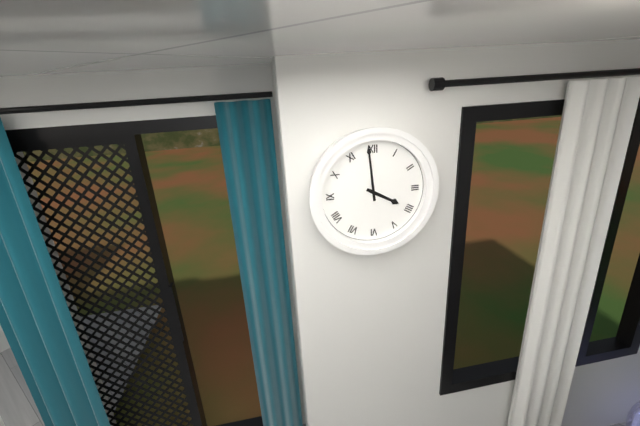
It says 3 h 59 min
